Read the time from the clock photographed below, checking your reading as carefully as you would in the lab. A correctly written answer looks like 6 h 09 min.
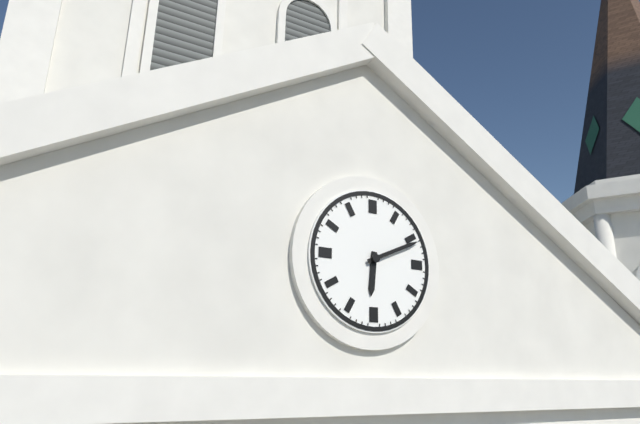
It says 6 h 11 min
